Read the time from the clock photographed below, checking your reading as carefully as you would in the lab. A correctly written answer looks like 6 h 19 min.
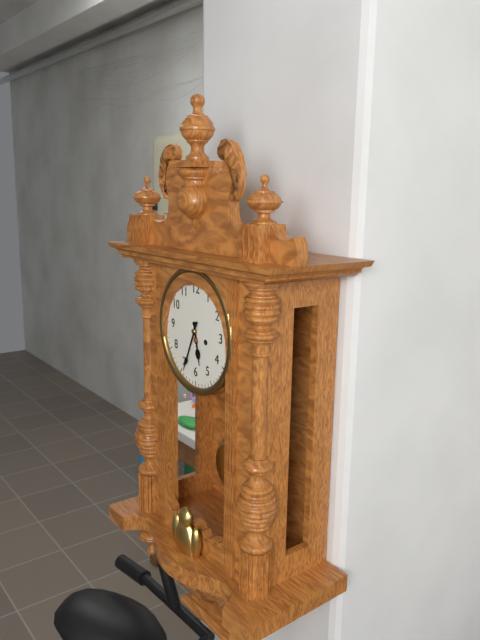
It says 5 h 34 min
